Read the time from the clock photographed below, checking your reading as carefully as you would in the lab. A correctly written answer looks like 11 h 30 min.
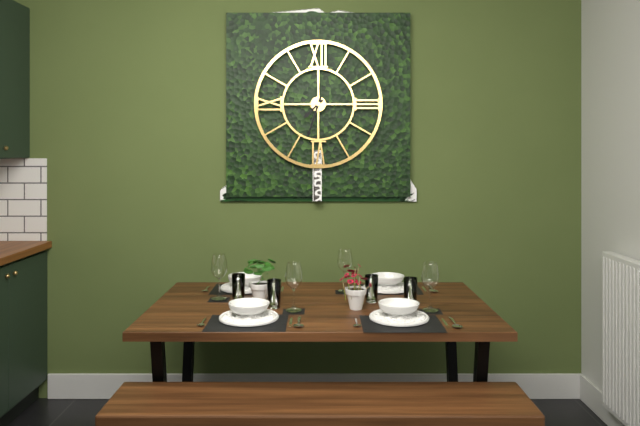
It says 7 h 33 min
